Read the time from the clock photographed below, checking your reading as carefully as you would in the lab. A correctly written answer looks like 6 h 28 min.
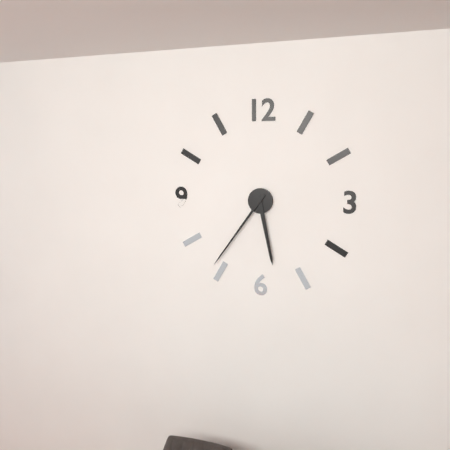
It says 5 h 36 min
